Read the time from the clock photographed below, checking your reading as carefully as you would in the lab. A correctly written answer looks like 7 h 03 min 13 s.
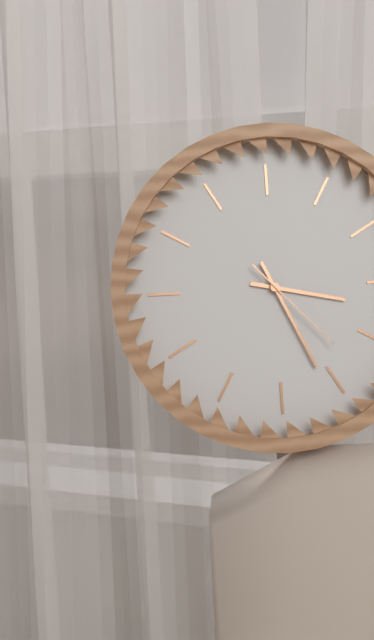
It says 3 h 26 min 23 s
